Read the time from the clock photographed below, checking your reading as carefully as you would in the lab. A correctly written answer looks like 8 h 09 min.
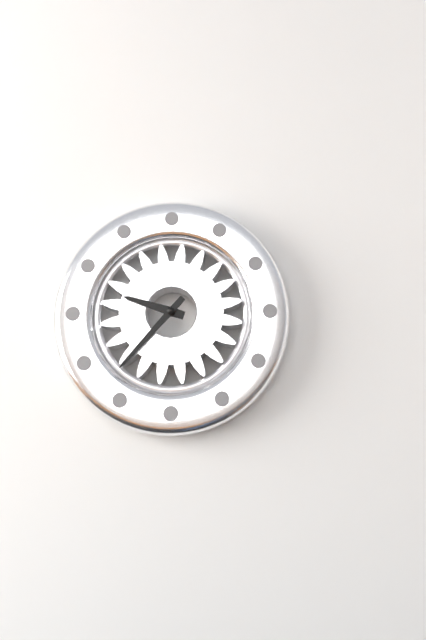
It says 9 h 37 min
